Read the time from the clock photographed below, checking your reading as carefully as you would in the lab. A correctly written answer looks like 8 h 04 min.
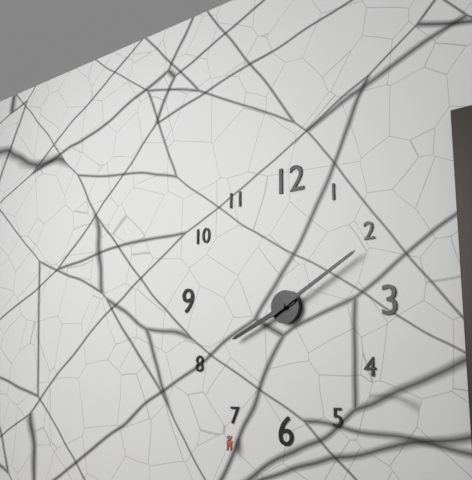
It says 8 h 10 min
